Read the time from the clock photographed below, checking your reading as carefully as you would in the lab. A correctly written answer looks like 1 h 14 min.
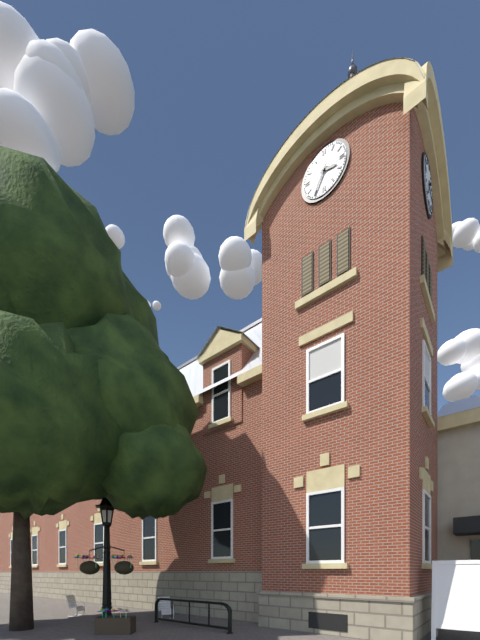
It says 3 h 35 min
